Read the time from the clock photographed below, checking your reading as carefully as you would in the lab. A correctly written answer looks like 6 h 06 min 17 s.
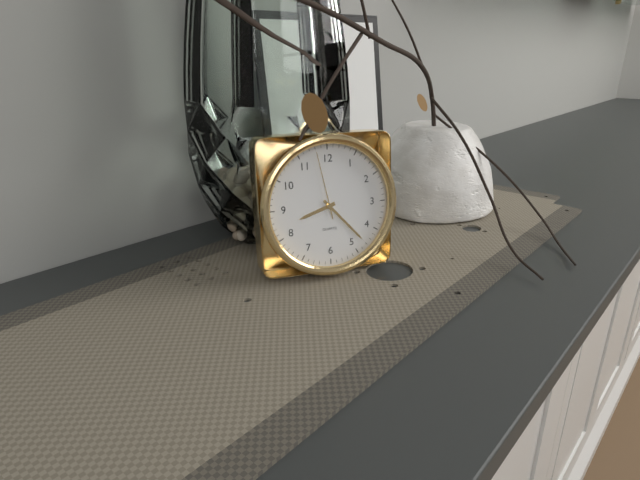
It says 8 h 23 min 58 s
